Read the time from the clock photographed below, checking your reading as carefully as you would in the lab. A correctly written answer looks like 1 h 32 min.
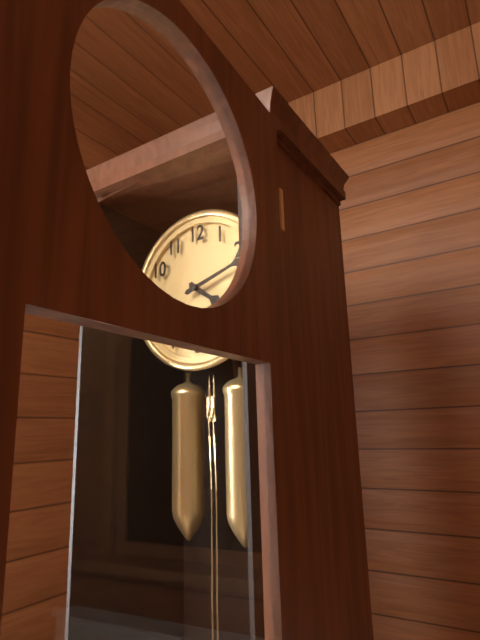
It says 4 h 12 min
